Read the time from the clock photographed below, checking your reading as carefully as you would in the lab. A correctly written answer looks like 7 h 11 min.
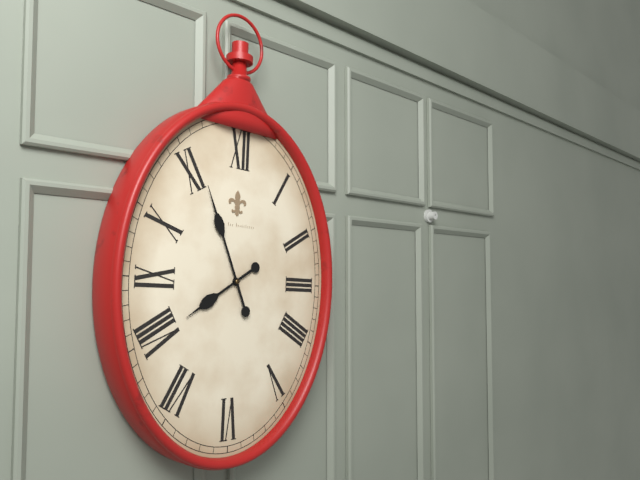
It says 7 h 56 min
